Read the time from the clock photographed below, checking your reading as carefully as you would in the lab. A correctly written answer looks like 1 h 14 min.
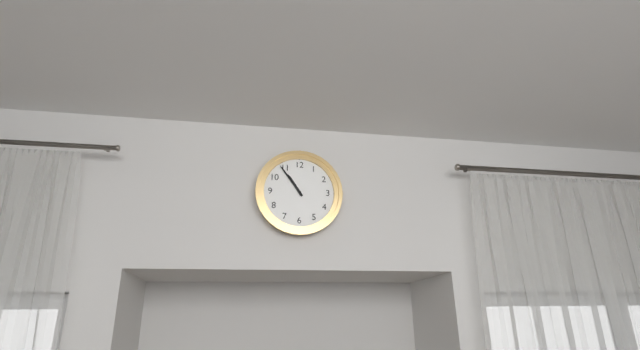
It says 10 h 54 min
